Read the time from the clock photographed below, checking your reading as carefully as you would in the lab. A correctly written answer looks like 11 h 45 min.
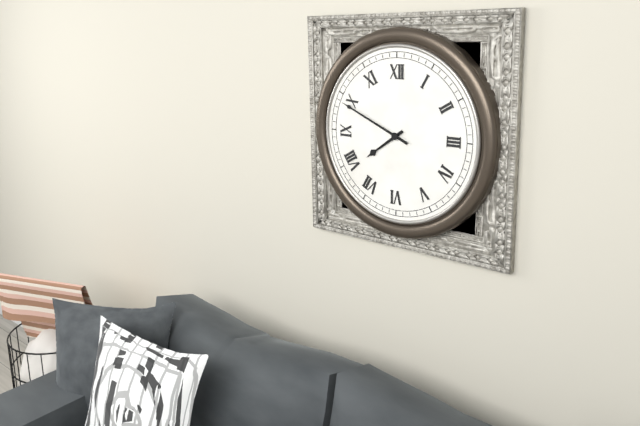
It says 7 h 49 min
